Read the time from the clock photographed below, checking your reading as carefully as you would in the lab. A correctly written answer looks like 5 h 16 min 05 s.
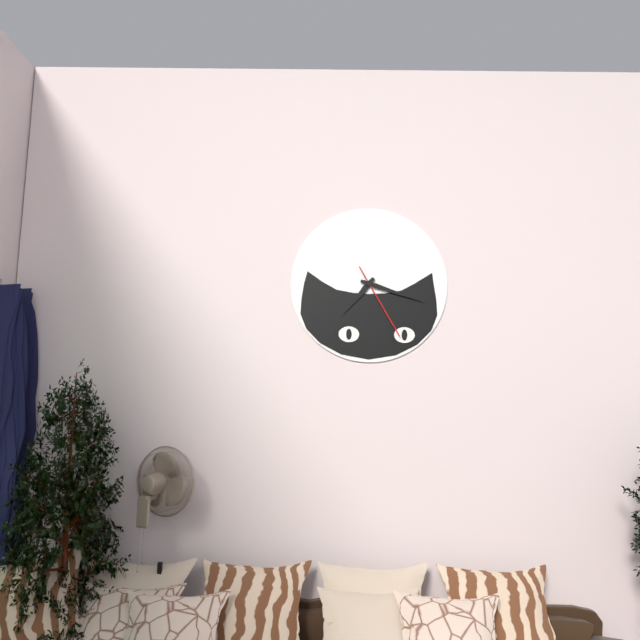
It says 7 h 18 min 25 s
